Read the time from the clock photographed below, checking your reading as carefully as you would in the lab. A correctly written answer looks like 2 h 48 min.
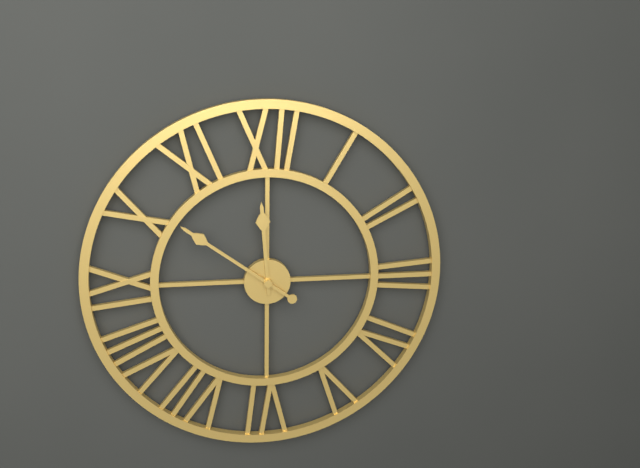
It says 11 h 51 min
